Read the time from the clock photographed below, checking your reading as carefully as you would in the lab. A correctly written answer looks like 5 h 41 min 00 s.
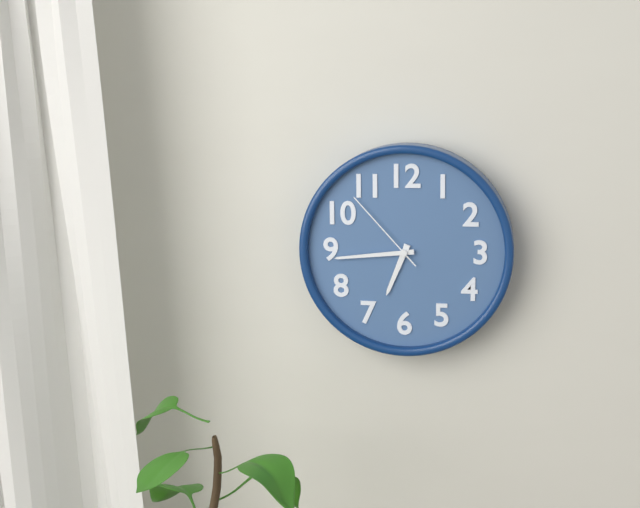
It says 6 h 44 min 53 s
